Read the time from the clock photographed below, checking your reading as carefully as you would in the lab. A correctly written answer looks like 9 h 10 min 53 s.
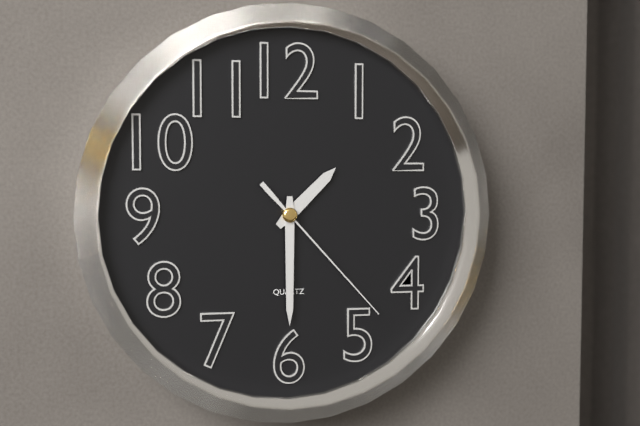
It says 1 h 30 min 23 s
